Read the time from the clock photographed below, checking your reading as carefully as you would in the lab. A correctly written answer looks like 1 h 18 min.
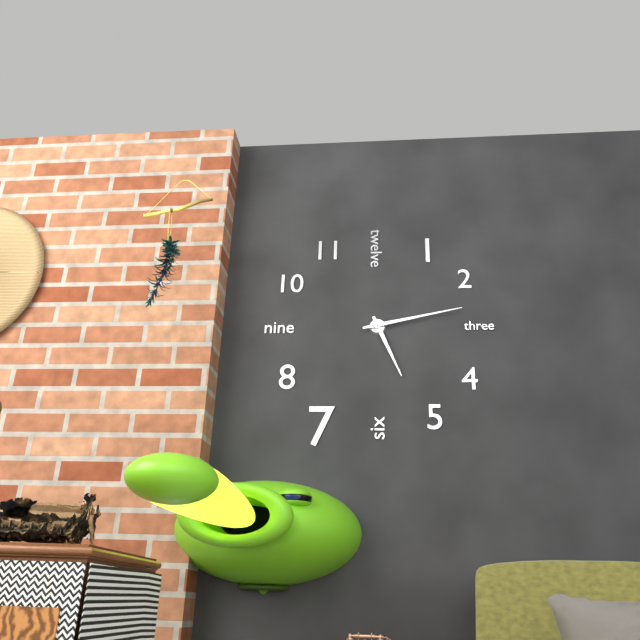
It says 5 h 13 min
